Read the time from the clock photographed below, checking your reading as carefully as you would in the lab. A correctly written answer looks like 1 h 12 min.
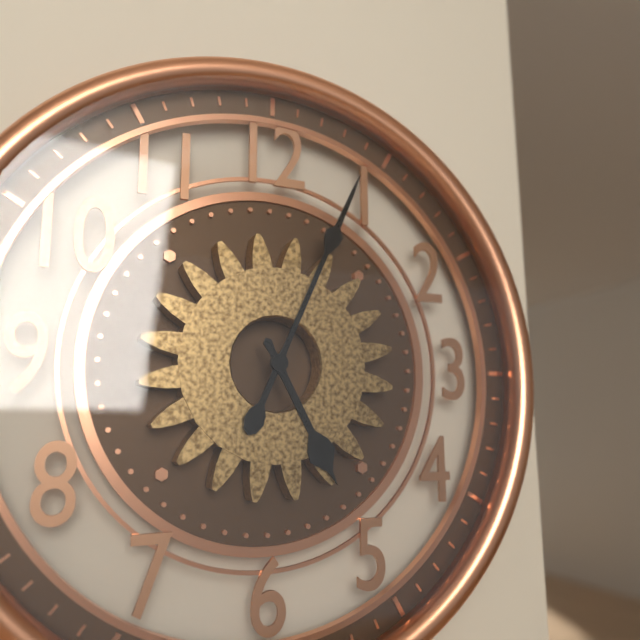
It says 5 h 04 min
